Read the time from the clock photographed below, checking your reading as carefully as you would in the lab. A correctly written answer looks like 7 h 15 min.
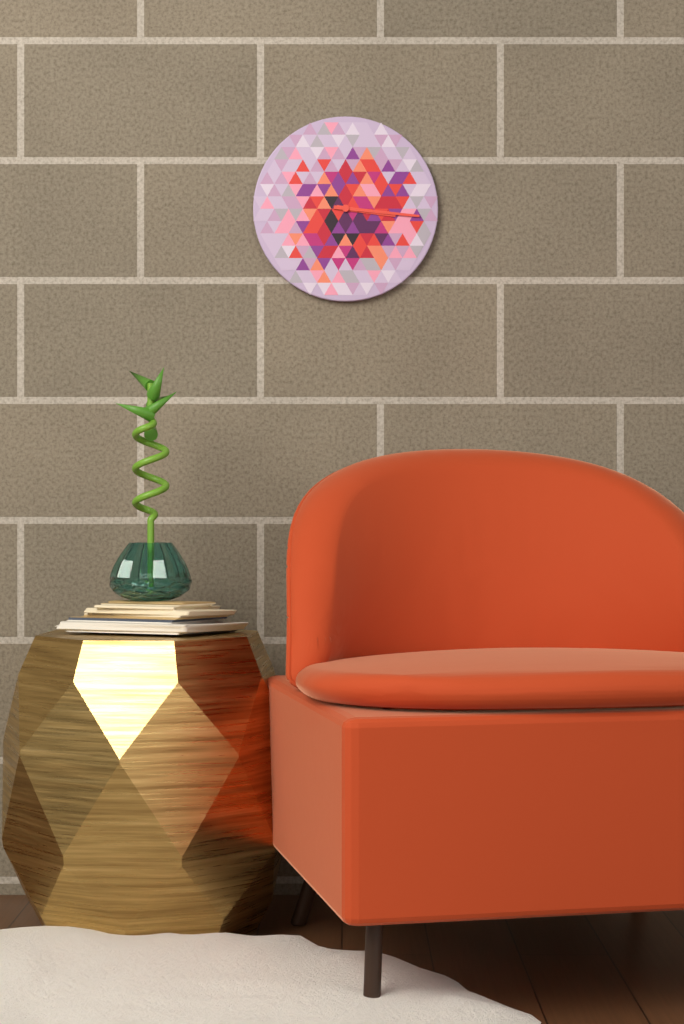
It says 3 h 16 min
